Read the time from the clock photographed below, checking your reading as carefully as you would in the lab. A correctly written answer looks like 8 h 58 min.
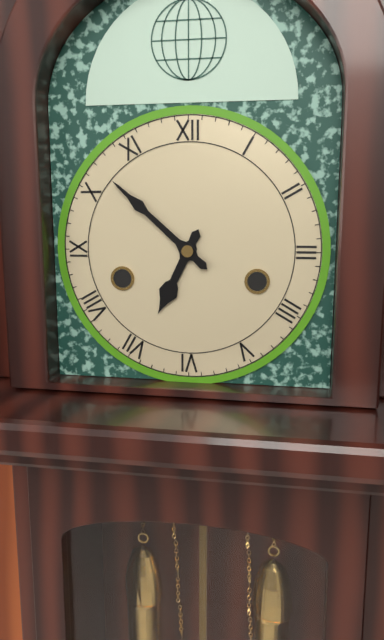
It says 6 h 52 min
